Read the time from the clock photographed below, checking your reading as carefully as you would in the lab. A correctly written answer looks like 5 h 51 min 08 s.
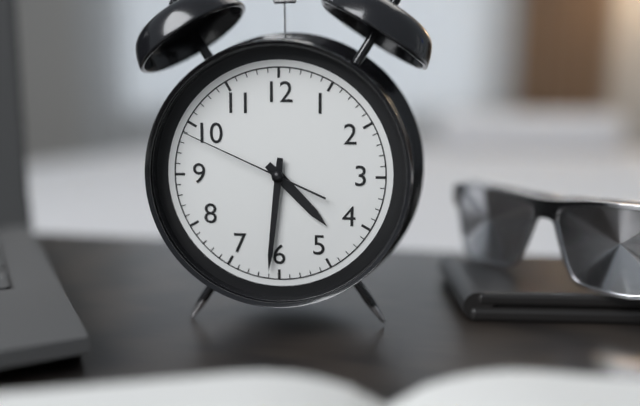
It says 4 h 31 min 49 s
